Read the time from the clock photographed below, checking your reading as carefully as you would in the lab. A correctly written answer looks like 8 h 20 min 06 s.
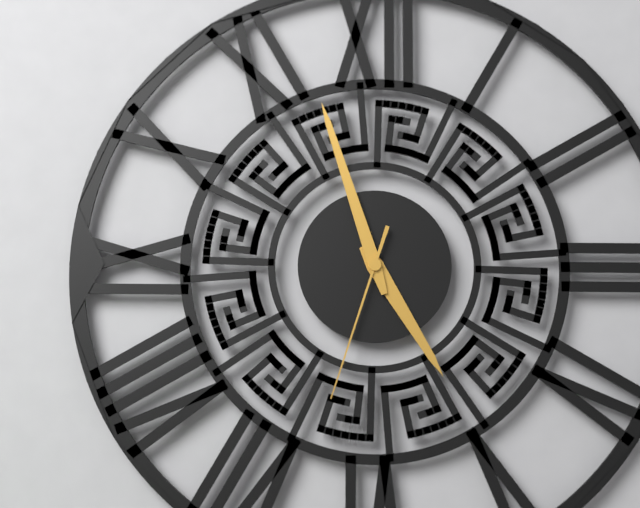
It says 4 h 57 min 33 s
